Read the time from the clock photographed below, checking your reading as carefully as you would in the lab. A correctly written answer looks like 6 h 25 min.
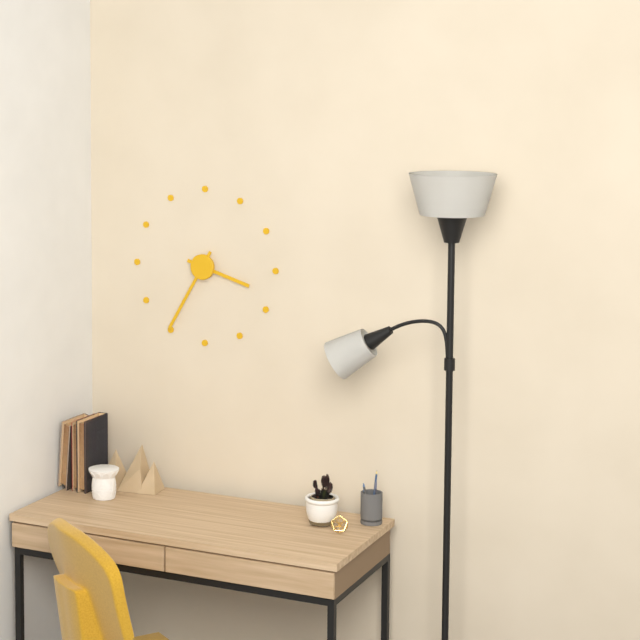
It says 3 h 35 min
